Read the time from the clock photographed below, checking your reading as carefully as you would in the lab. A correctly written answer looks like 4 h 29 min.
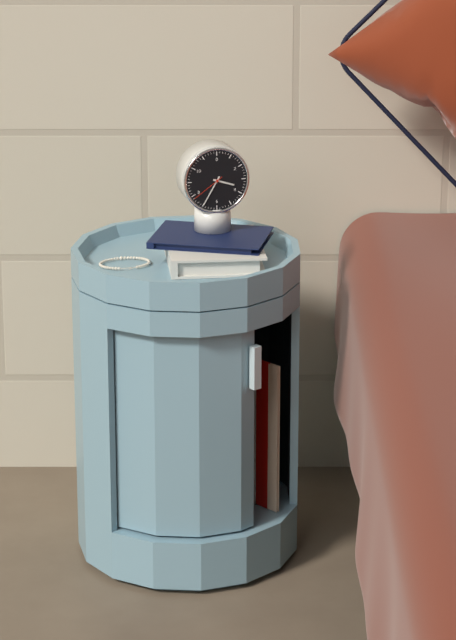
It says 3 h 35 min
